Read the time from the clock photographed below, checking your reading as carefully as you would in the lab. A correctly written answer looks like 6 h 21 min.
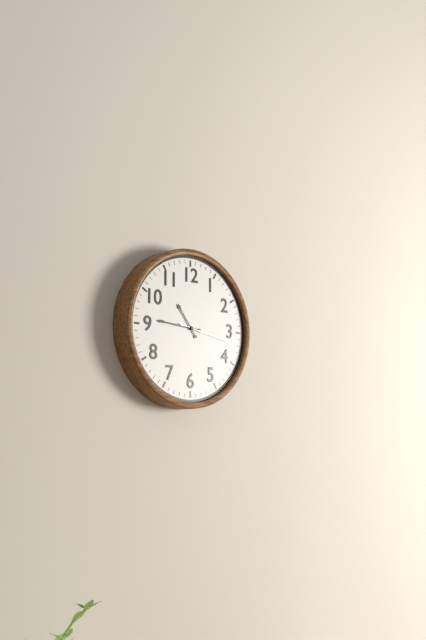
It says 10 h 46 min
